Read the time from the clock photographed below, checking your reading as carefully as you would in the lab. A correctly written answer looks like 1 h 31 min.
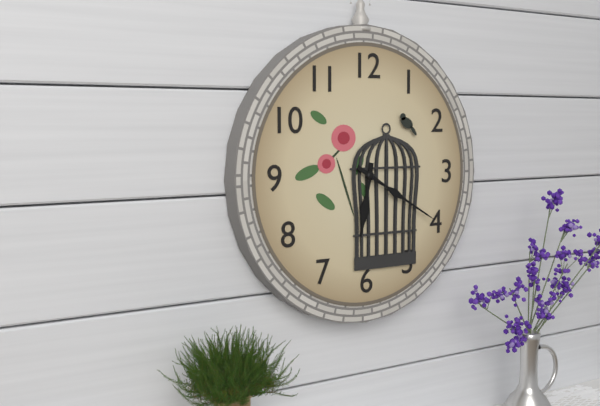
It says 6 h 20 min
